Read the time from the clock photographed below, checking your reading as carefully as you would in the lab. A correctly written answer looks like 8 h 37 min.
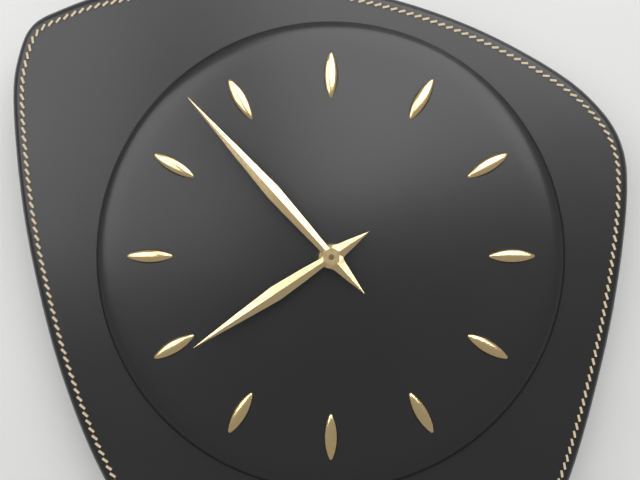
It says 7 h 53 min
